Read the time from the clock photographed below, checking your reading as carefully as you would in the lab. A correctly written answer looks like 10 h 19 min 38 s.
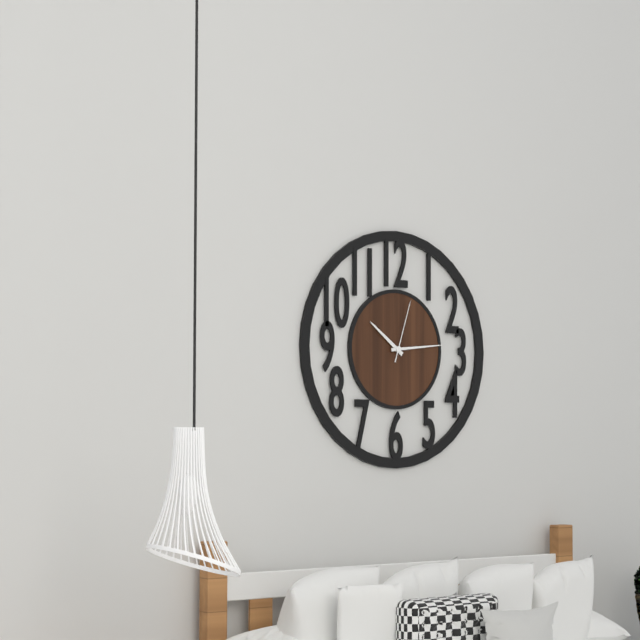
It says 10 h 14 min 03 s
